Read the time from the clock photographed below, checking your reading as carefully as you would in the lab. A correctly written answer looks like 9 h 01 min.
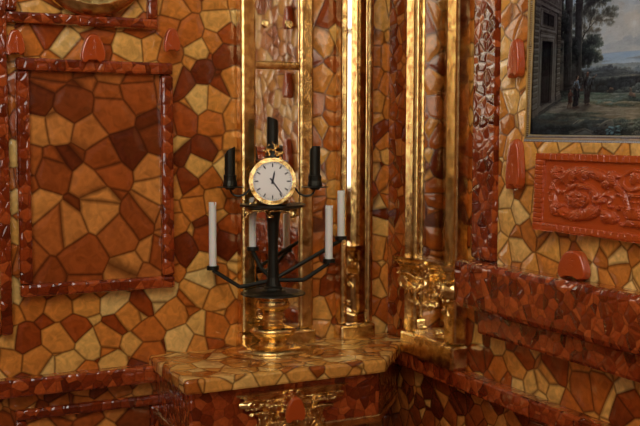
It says 12 h 24 min
